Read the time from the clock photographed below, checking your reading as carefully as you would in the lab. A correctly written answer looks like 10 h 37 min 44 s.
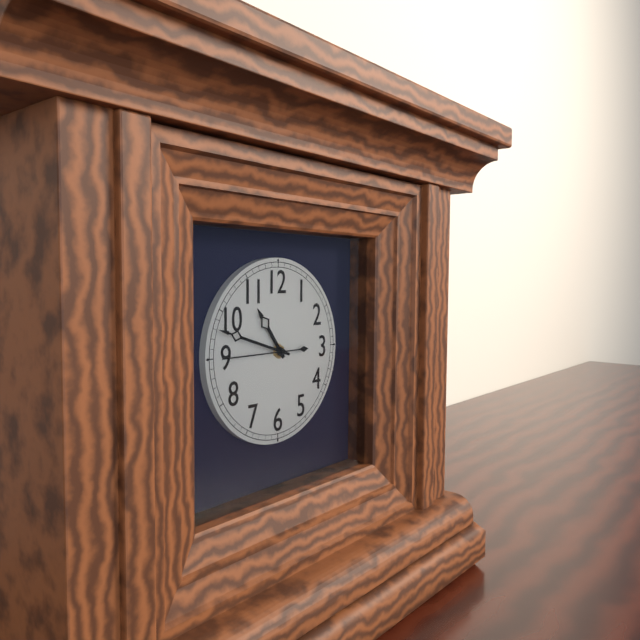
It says 10 h 48 min 45 s
